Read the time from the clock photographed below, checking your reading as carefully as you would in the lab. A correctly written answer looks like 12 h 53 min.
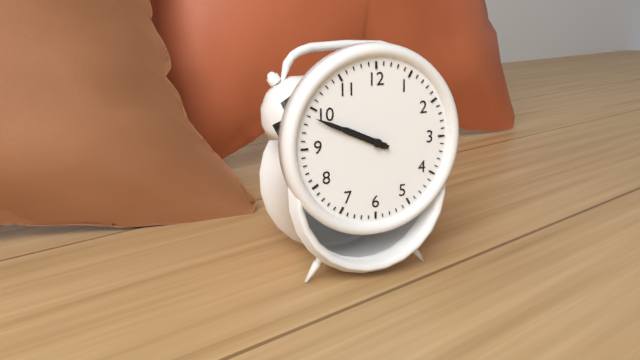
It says 9 h 49 min
